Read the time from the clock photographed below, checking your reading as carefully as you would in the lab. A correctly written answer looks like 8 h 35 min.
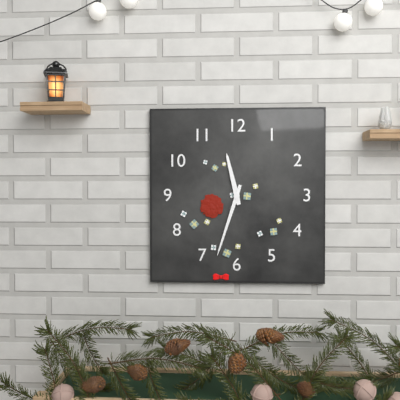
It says 11 h 33 min
